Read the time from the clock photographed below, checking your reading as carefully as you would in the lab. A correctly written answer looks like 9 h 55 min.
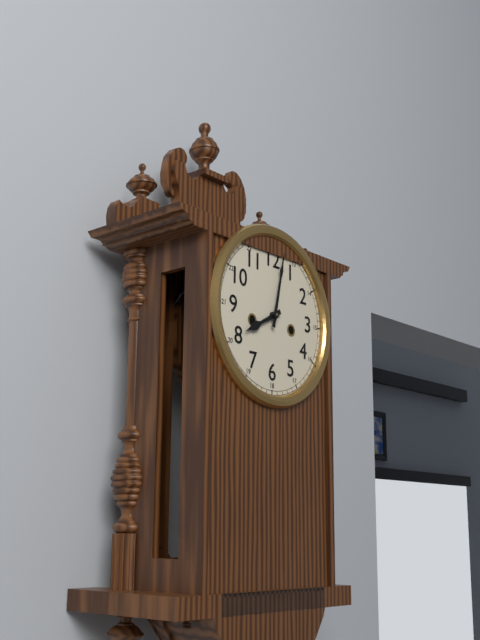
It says 8 h 02 min
